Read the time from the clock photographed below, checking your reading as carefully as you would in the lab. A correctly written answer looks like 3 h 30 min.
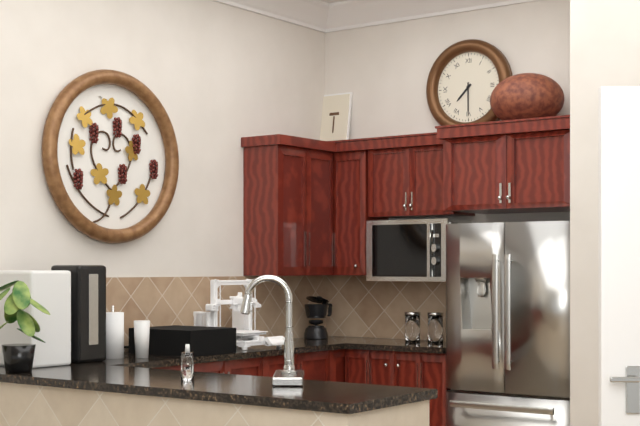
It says 7 h 30 min
